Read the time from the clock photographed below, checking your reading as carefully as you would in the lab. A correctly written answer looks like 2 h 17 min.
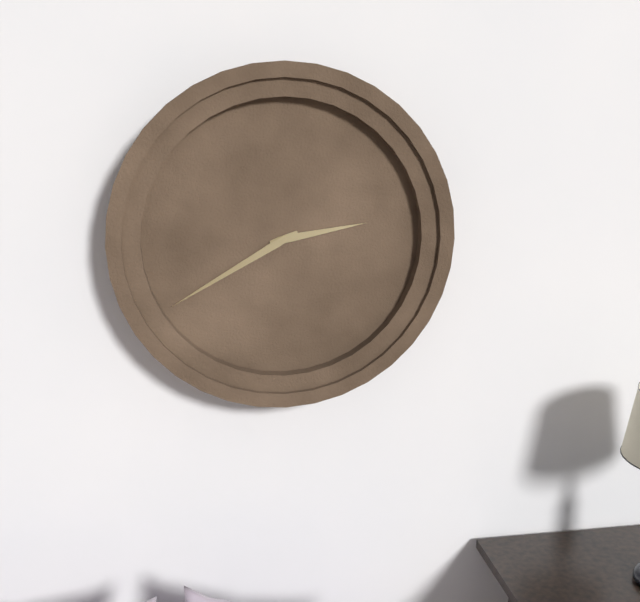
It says 2 h 40 min
